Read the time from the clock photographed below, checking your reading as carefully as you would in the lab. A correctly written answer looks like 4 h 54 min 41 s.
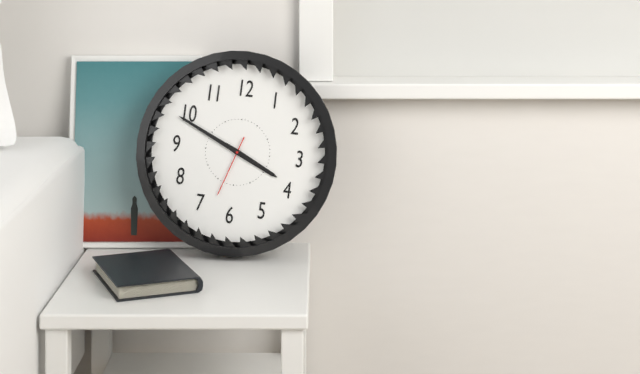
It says 3 h 49 min 33 s
